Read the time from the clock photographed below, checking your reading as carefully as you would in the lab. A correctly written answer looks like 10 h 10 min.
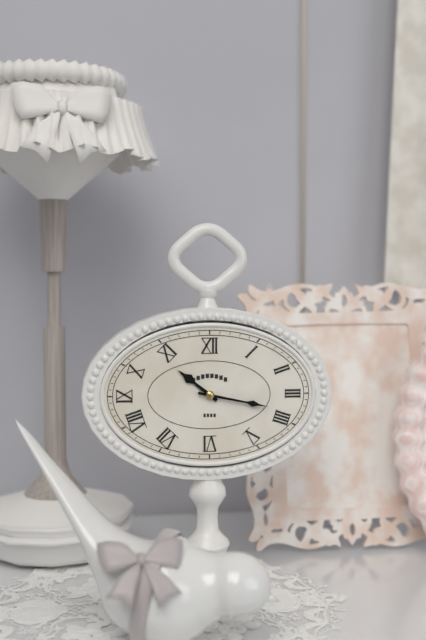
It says 10 h 17 min
